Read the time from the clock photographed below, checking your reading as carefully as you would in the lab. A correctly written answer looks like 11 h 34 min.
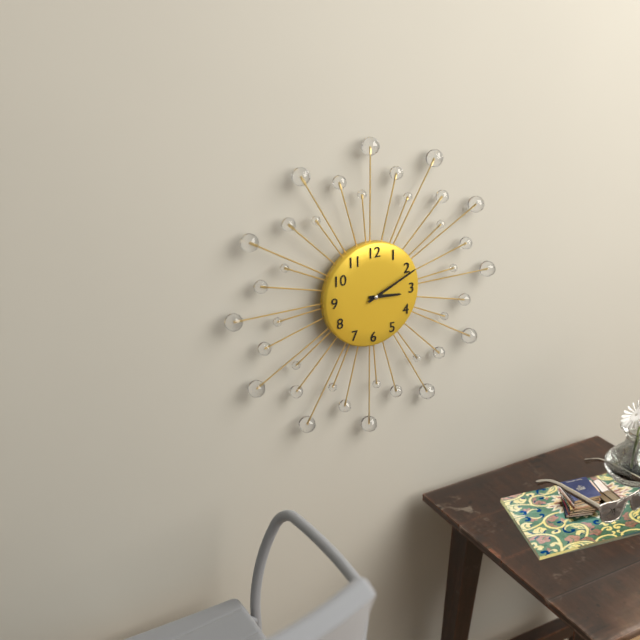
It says 3 h 11 min
